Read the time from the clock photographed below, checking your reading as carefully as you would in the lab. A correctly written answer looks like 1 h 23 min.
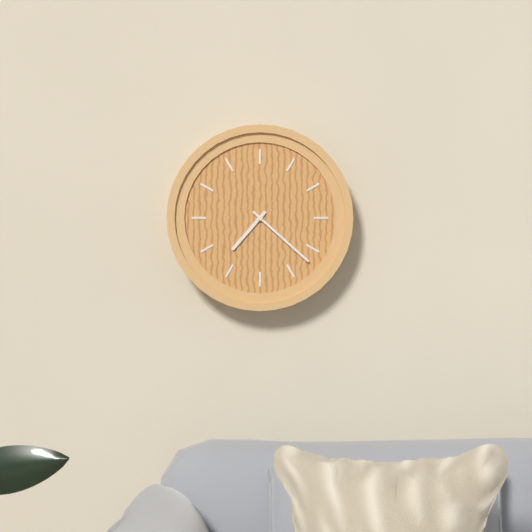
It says 7 h 22 min
